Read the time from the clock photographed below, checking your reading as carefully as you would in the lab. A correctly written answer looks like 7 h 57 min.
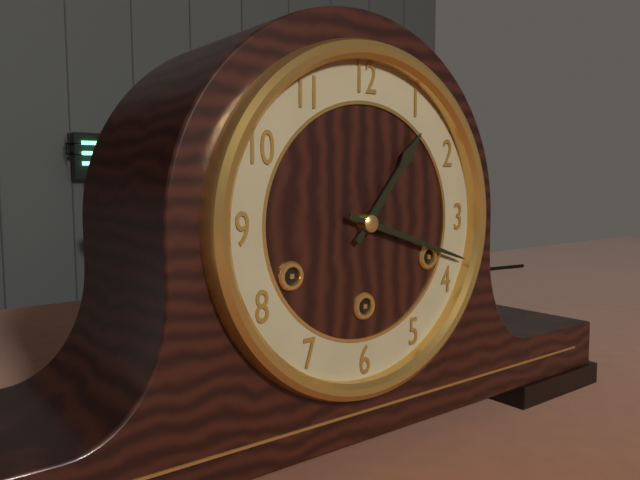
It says 1 h 18 min
